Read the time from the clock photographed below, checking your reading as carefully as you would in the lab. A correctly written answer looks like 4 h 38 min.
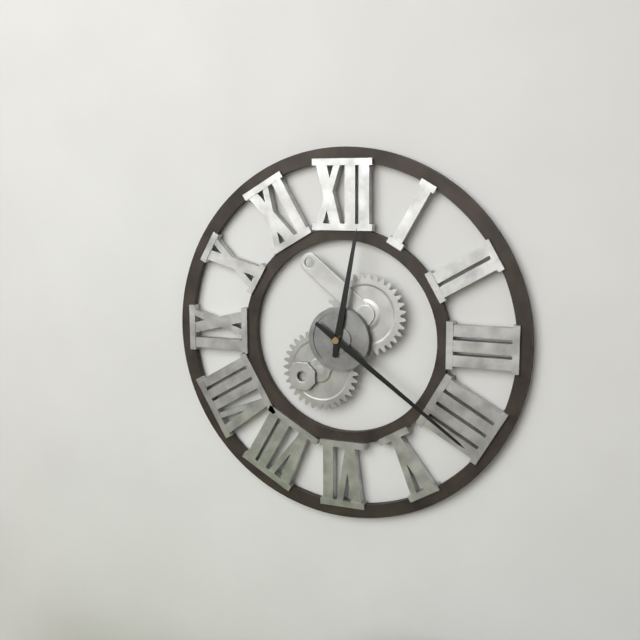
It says 12 h 21 min
